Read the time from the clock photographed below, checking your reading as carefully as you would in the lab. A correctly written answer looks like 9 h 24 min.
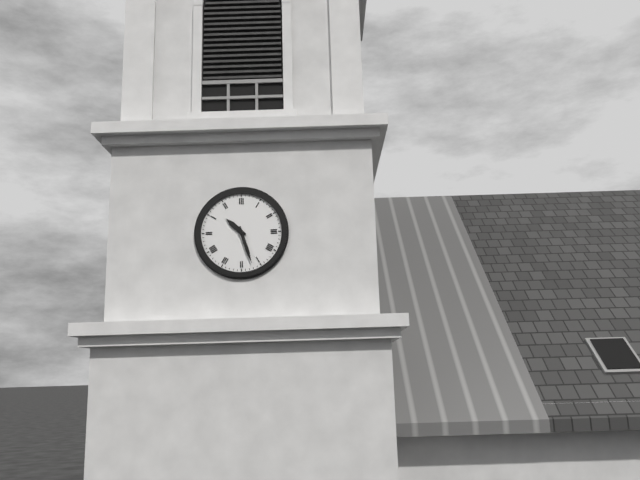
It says 10 h 27 min
